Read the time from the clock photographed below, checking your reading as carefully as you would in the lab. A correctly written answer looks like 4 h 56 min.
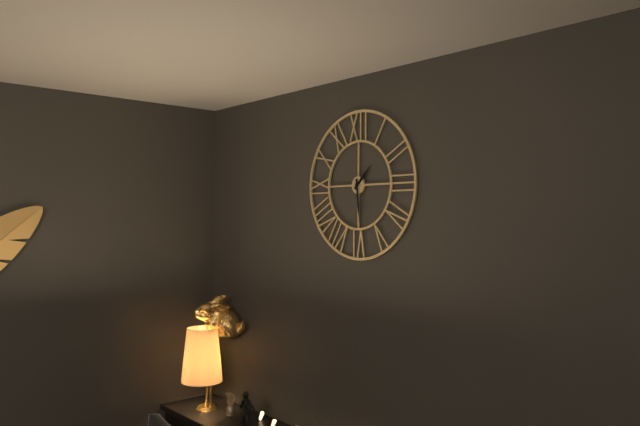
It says 1 h 29 min
